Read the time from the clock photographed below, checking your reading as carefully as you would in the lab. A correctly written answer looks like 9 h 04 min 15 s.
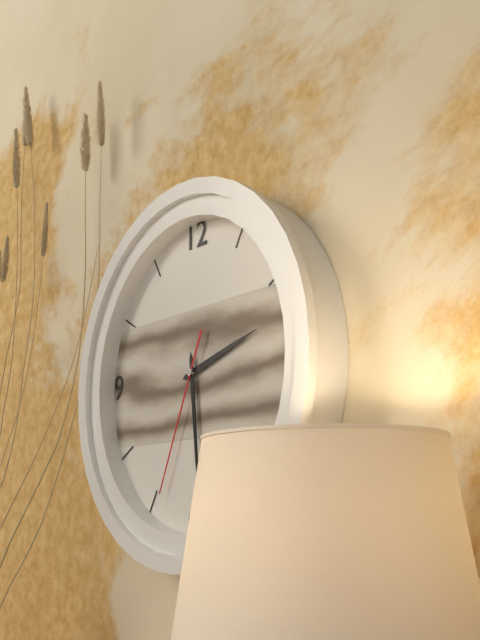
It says 2 h 29 min 34 s
